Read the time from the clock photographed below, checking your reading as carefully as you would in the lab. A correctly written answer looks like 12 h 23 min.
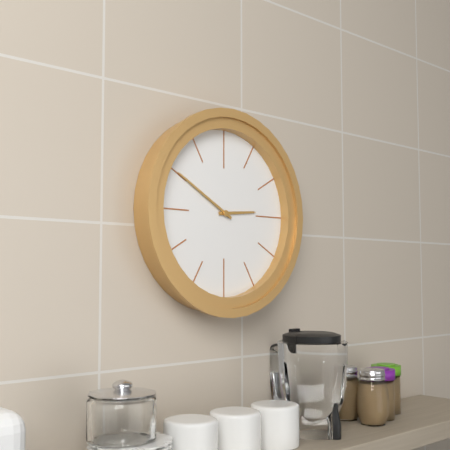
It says 2 h 50 min
